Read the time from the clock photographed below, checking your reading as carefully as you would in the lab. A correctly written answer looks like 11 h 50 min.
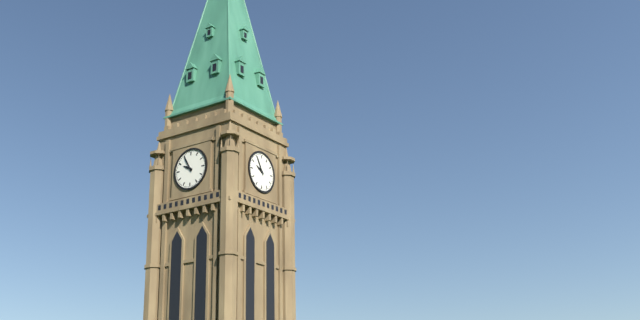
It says 9 h 55 min
